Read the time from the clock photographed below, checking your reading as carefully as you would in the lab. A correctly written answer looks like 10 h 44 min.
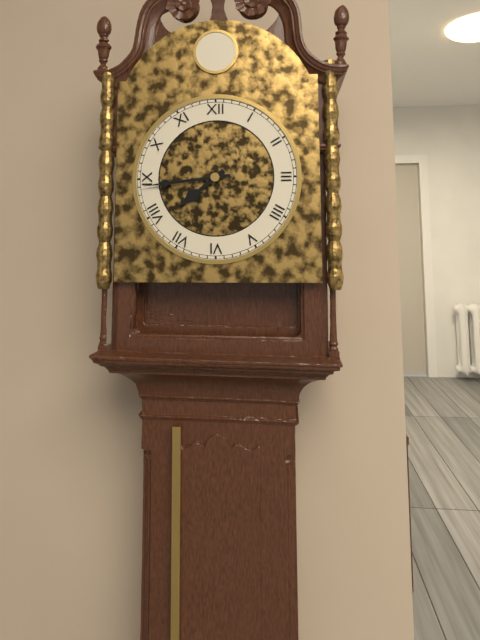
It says 7 h 44 min
